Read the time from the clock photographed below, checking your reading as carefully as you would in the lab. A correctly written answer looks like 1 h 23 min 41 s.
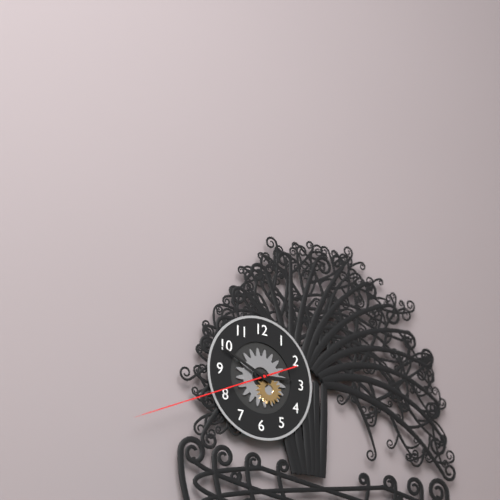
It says 2 h 49 min 41 s
